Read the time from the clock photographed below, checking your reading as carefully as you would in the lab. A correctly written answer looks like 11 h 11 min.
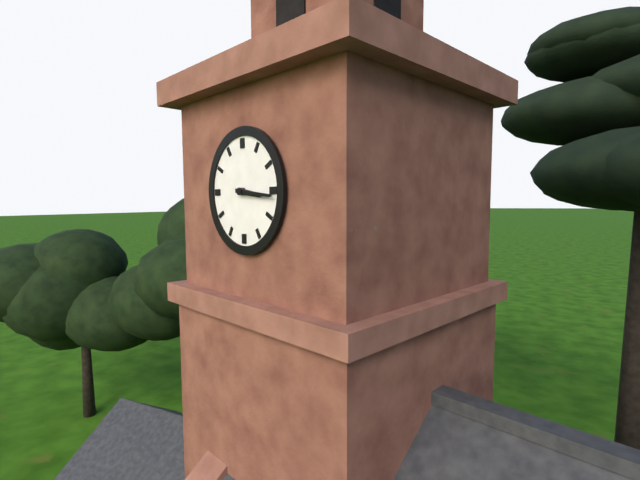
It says 3 h 16 min
